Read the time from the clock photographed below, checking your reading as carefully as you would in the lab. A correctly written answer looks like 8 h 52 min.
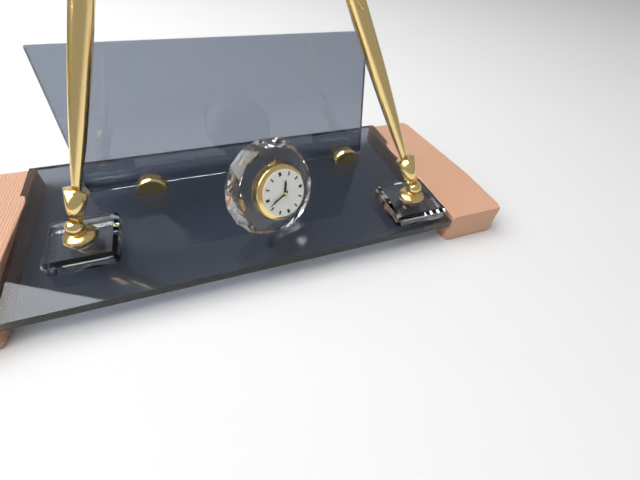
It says 12 h 42 min
